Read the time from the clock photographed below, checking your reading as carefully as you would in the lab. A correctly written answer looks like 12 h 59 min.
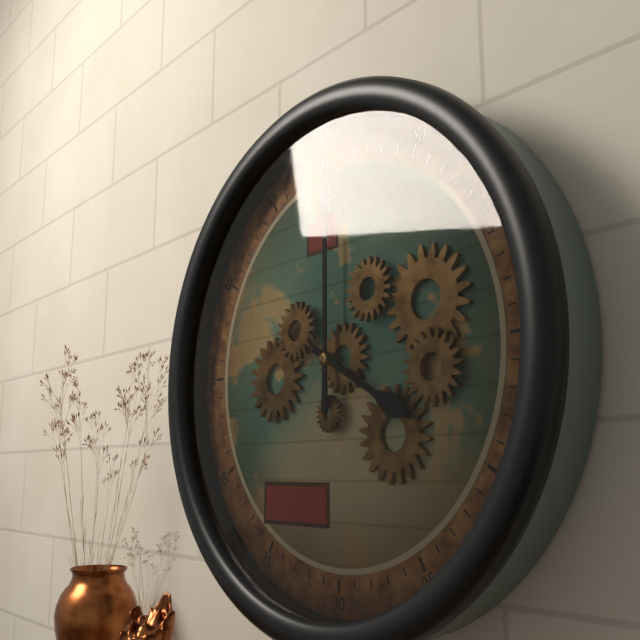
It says 4 h 00 min
